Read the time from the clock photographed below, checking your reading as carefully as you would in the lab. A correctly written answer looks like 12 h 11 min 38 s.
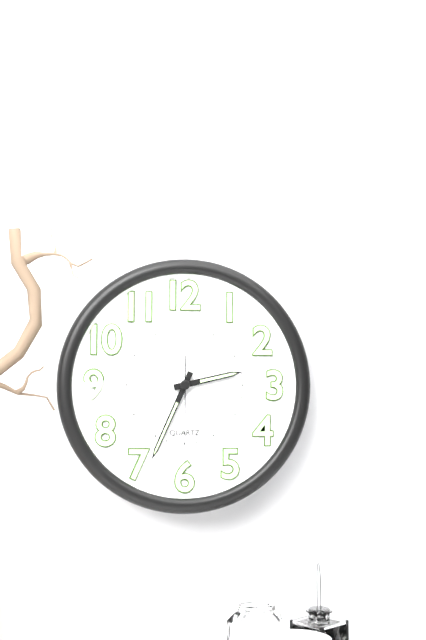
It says 2 h 34 min 30 s
